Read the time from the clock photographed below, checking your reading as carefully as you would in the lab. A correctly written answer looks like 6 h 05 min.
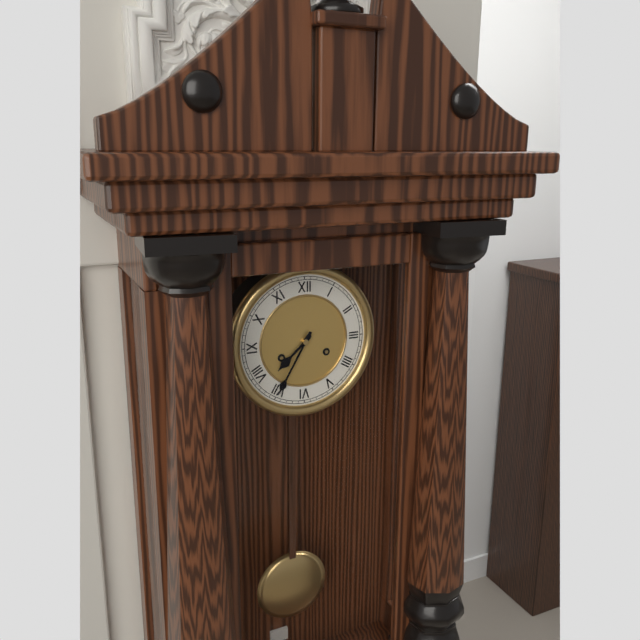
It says 7 h 35 min
